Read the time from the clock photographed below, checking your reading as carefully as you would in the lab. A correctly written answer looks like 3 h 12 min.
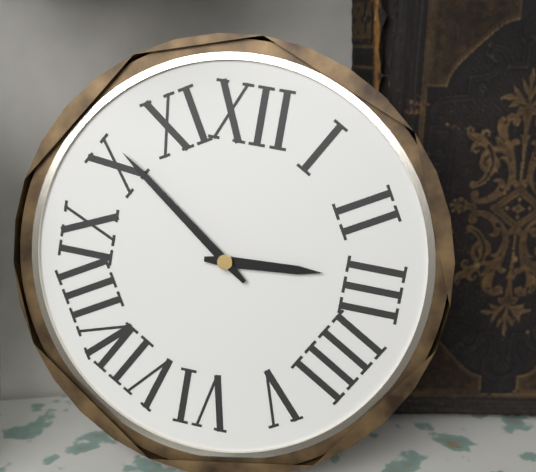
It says 2 h 51 min
